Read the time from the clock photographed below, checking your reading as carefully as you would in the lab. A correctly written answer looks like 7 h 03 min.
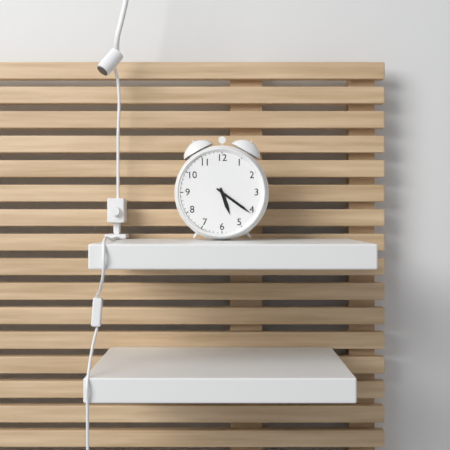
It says 5 h 21 min
